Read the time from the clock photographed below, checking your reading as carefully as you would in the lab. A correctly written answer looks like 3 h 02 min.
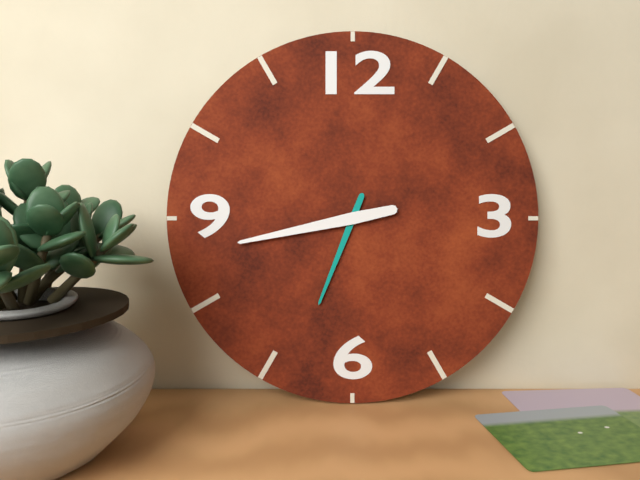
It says 6 h 43 min
